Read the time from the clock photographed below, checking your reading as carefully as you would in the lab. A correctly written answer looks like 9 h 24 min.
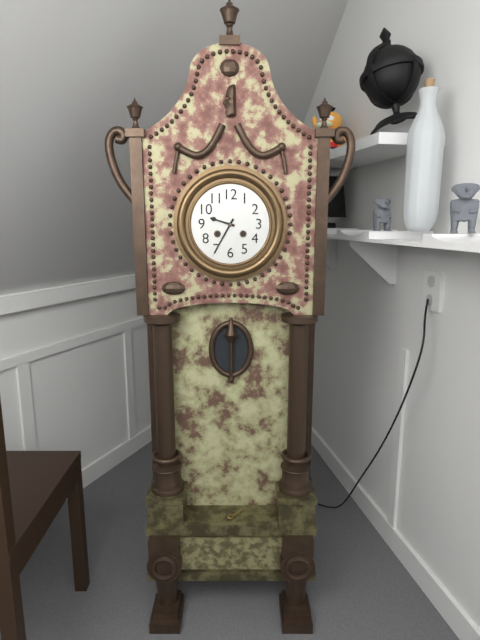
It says 9 h 35 min
